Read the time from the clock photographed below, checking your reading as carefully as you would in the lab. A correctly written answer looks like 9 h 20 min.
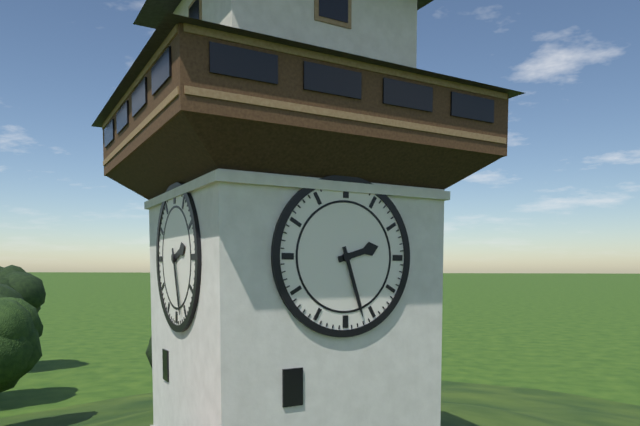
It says 2 h 27 min
